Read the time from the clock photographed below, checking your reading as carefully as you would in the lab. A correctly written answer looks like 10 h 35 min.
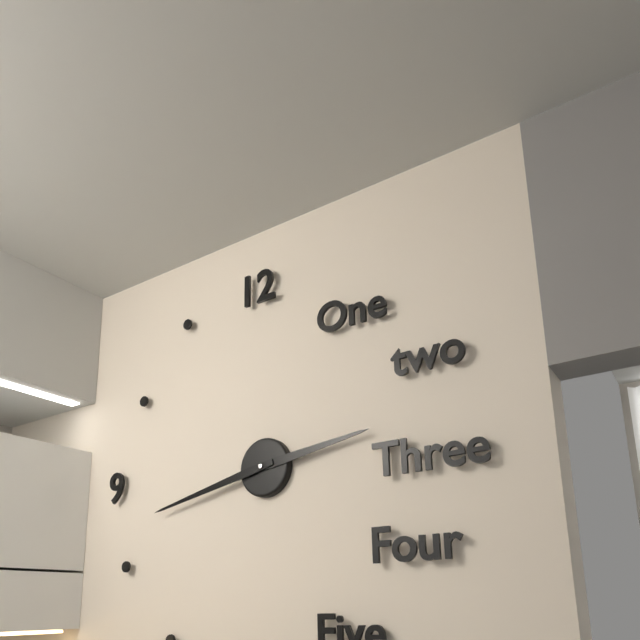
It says 2 h 43 min
